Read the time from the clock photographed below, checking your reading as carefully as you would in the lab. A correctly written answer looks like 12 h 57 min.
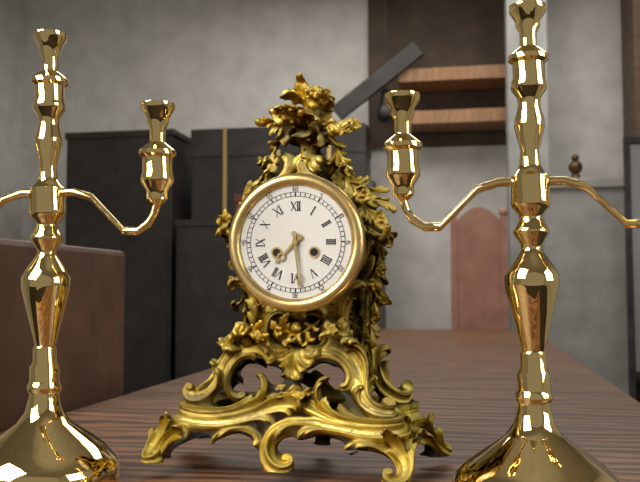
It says 7 h 29 min
